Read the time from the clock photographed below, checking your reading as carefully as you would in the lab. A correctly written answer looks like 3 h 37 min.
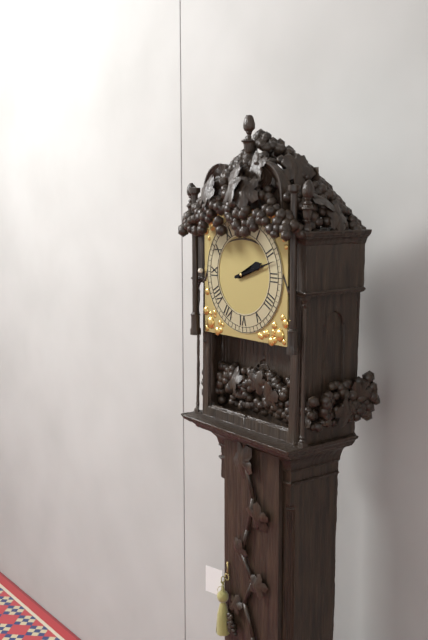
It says 2 h 12 min
